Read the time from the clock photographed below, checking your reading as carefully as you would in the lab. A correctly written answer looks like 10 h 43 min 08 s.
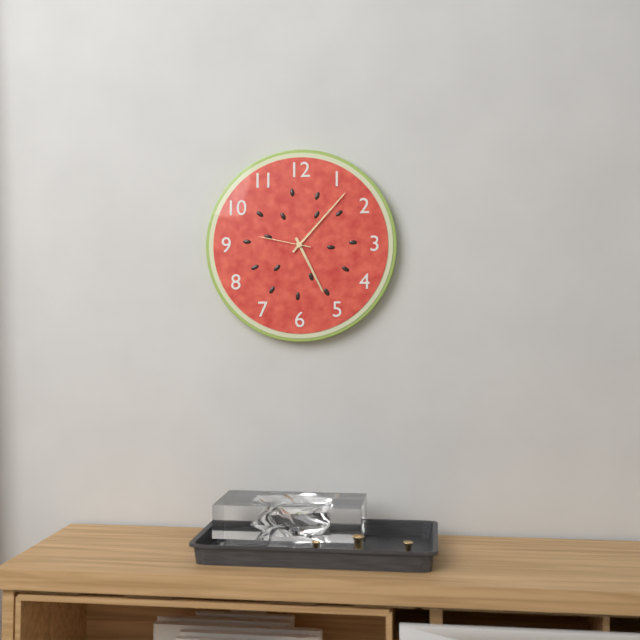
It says 5 h 07 min 47 s
